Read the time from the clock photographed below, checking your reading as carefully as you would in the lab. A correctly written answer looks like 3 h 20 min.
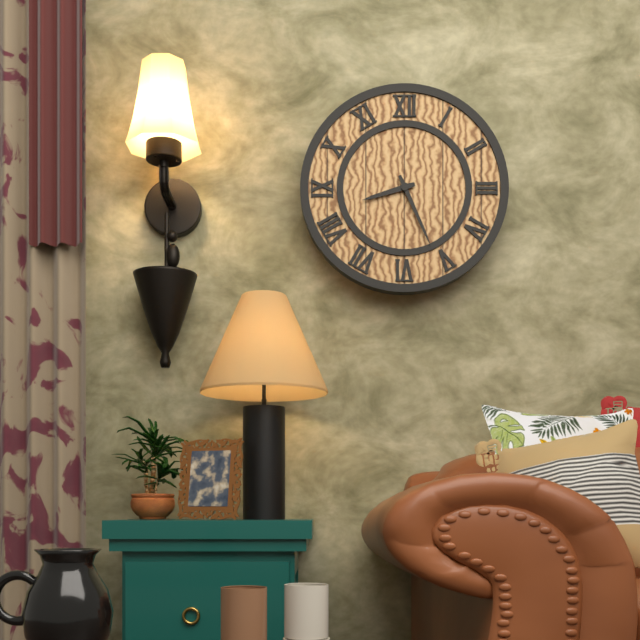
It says 8 h 26 min
